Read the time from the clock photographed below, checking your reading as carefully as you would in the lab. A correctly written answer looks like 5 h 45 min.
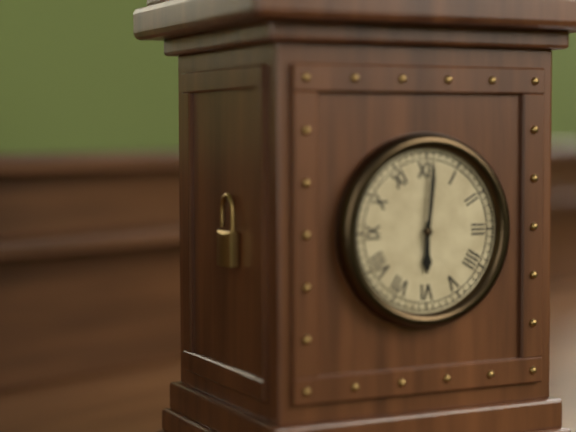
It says 6 h 01 min
